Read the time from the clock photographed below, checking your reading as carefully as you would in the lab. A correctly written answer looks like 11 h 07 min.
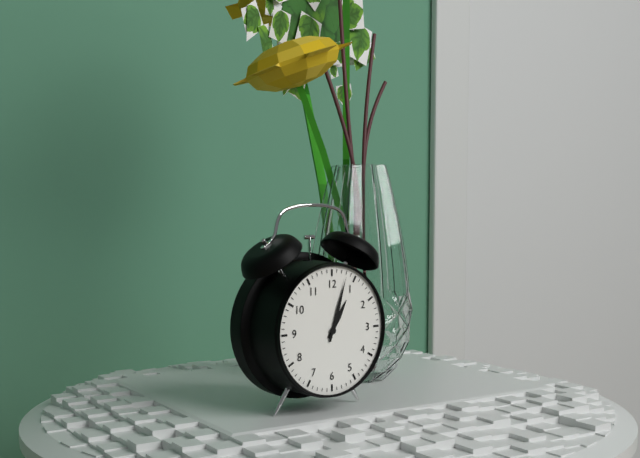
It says 1 h 03 min
